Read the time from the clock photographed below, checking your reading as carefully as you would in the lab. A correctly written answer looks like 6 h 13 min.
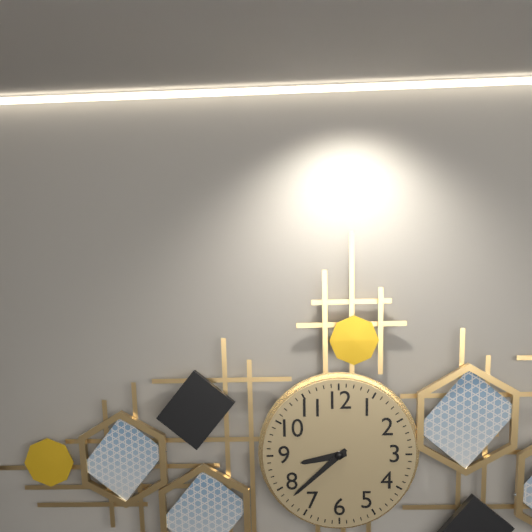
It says 8 h 38 min
